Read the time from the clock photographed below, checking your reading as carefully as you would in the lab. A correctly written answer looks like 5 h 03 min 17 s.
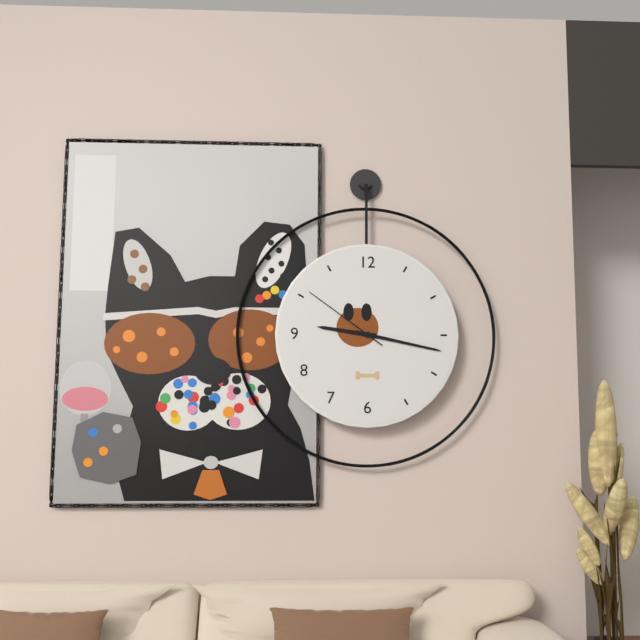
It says 9 h 17 min 51 s
